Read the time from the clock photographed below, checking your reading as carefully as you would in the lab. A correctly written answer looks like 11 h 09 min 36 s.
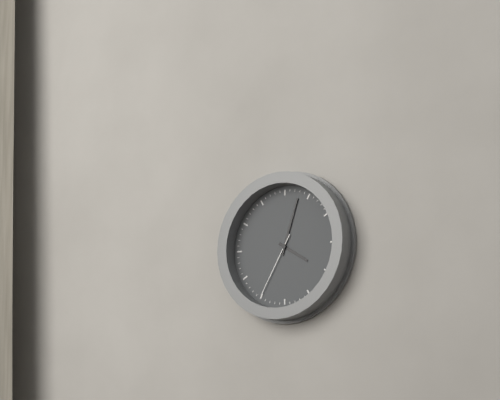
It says 4 h 03 min 35 s
